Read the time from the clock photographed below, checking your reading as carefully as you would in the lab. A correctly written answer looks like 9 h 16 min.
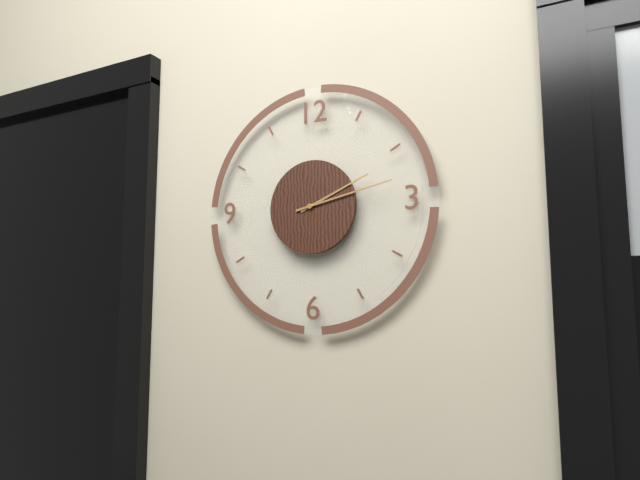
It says 2 h 13 min
